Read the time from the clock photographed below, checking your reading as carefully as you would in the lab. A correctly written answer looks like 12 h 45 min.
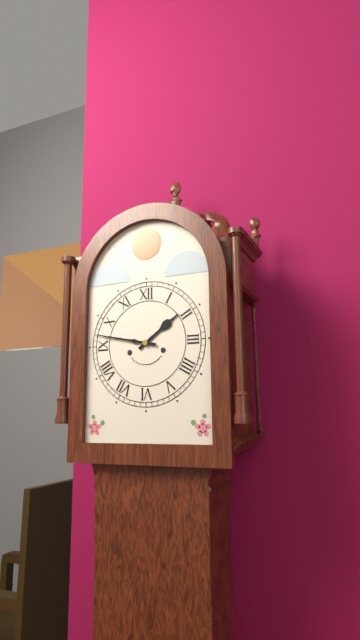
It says 1 h 47 min
